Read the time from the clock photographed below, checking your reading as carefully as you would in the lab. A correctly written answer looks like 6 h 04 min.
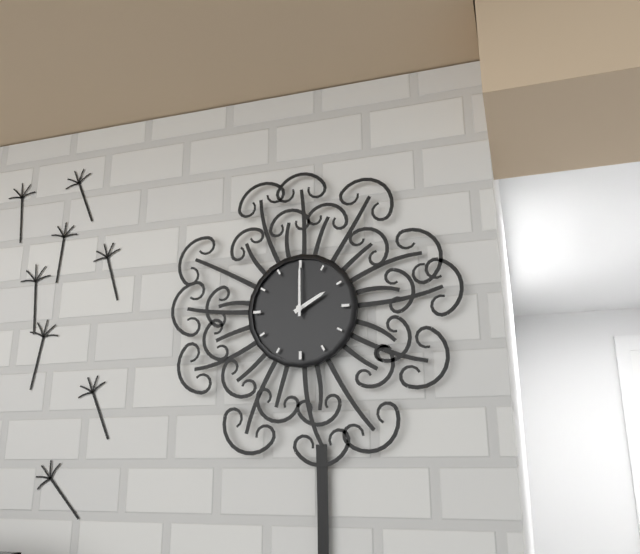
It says 2 h 00 min
